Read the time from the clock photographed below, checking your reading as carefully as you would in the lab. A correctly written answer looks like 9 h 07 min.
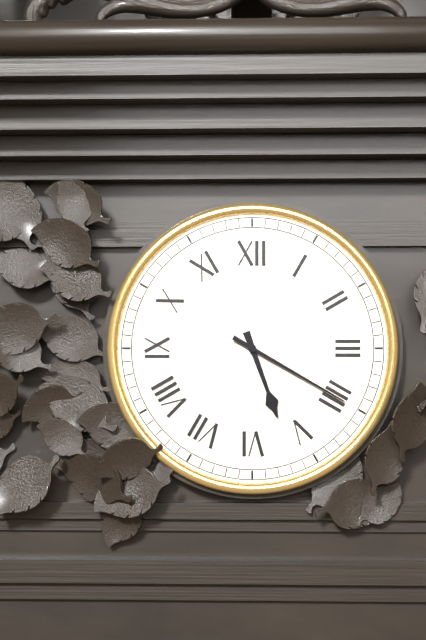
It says 5 h 20 min
